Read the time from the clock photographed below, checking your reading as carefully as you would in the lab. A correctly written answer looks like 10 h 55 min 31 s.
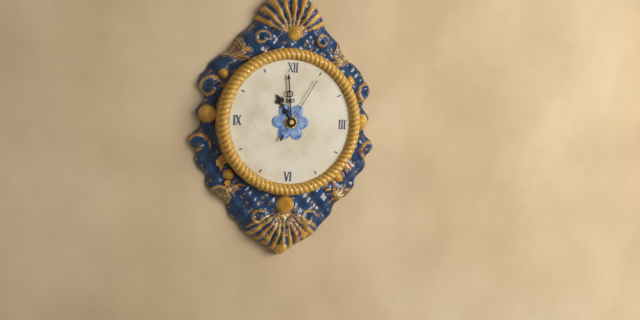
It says 10 h 59 min 05 s
